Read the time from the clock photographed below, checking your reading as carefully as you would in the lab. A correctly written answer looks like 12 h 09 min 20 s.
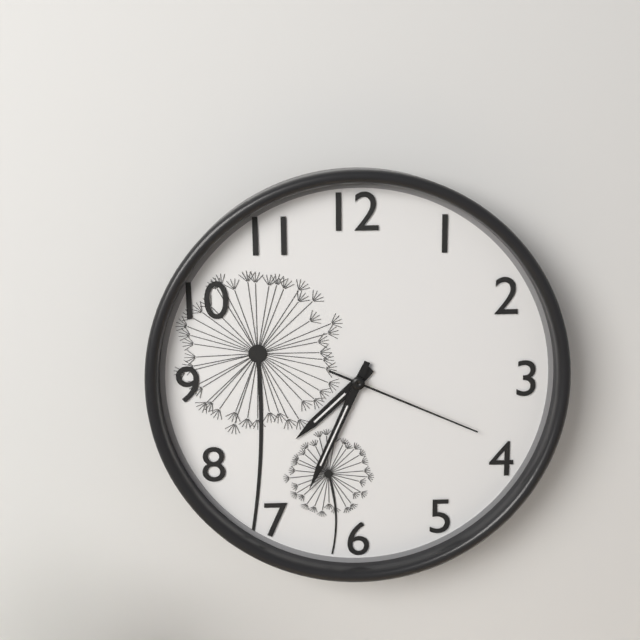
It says 7 h 34 min 19 s
